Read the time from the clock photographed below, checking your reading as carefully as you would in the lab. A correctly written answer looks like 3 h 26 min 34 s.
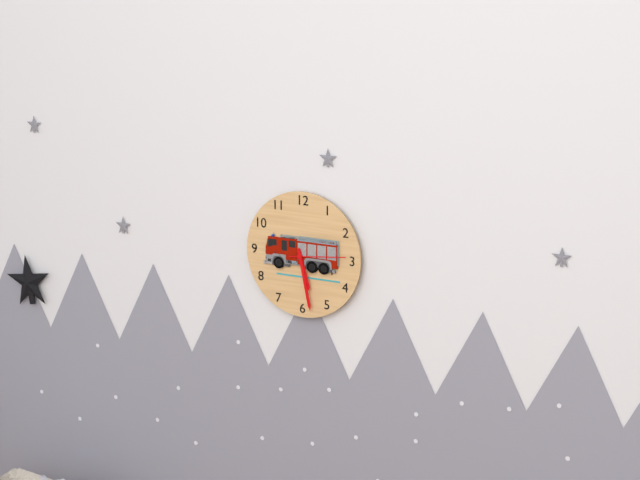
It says 5 h 28 min 14 s
